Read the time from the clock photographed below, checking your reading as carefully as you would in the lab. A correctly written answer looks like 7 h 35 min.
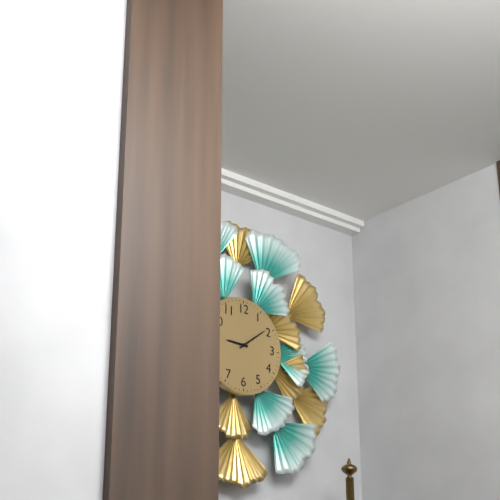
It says 9 h 09 min
